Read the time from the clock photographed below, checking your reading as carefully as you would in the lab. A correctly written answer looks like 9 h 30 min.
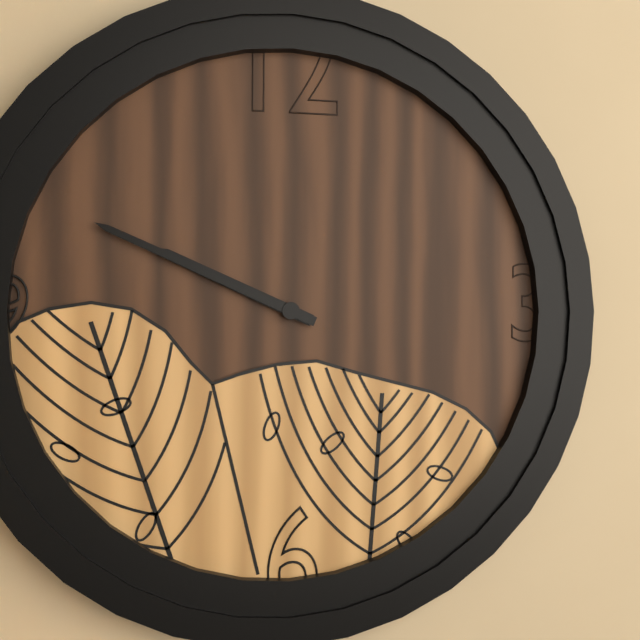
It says 9 h 49 min
